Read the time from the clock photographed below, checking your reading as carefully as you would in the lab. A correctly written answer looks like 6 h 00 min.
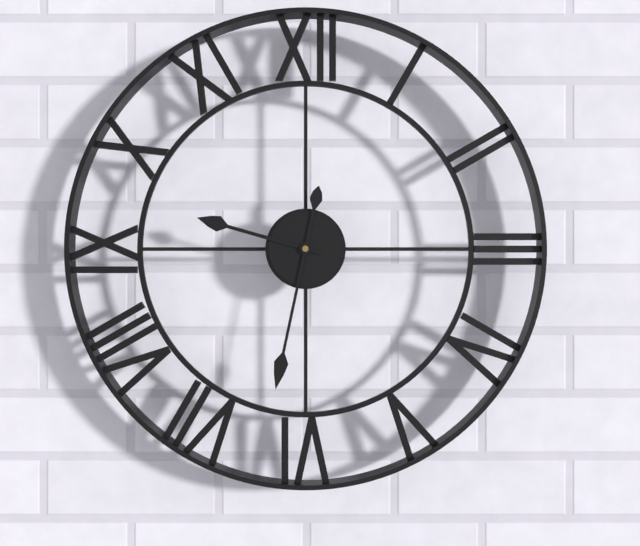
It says 9 h 32 min
